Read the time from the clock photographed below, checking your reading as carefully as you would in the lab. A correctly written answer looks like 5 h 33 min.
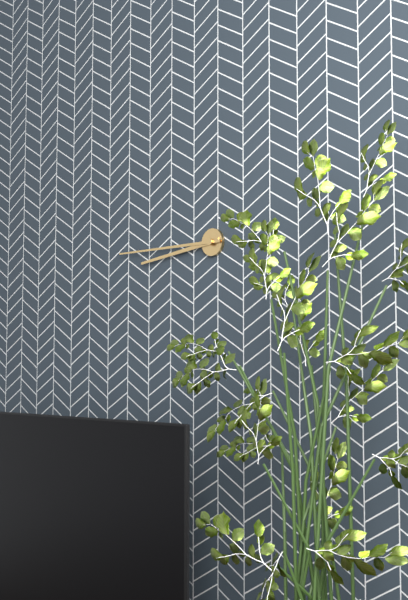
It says 8 h 45 min
